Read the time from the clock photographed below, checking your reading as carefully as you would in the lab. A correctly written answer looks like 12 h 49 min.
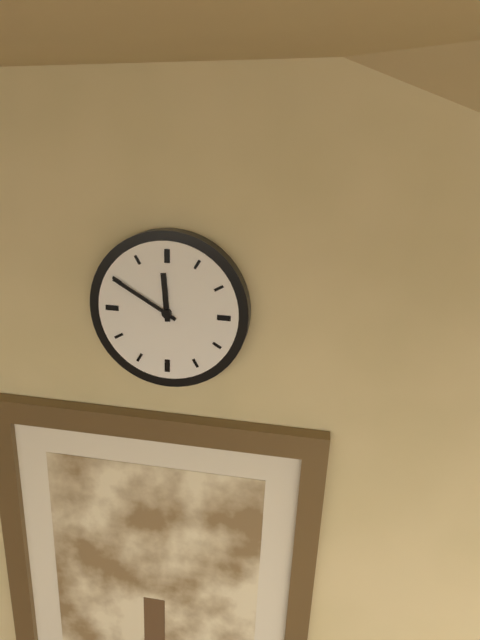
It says 11 h 50 min
